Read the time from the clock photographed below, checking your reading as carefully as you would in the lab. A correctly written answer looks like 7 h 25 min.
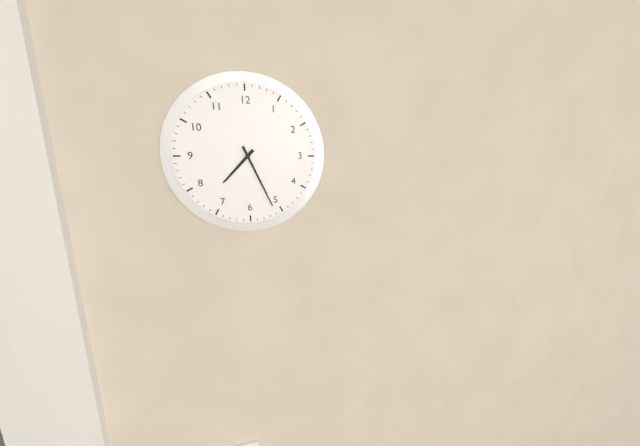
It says 7 h 26 min
